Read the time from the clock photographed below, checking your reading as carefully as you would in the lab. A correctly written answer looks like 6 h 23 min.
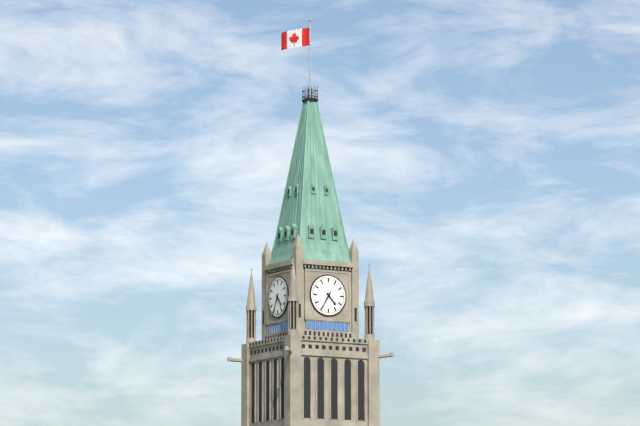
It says 4 h 35 min
